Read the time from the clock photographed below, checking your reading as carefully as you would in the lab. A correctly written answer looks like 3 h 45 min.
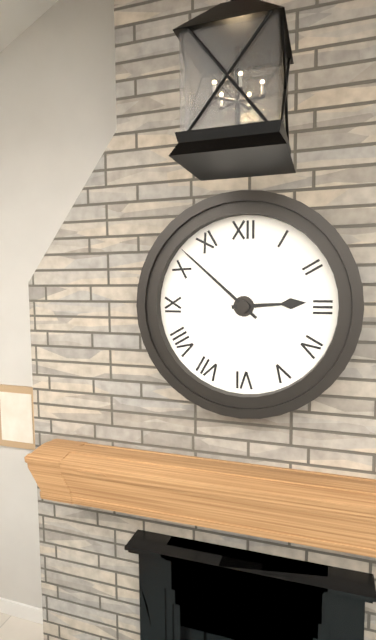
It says 2 h 52 min
